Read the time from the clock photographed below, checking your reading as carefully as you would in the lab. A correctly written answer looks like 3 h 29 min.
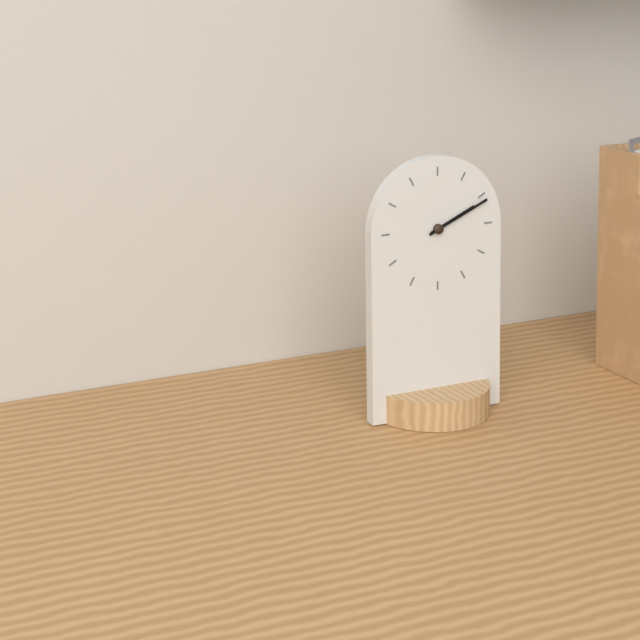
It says 2 h 11 min
